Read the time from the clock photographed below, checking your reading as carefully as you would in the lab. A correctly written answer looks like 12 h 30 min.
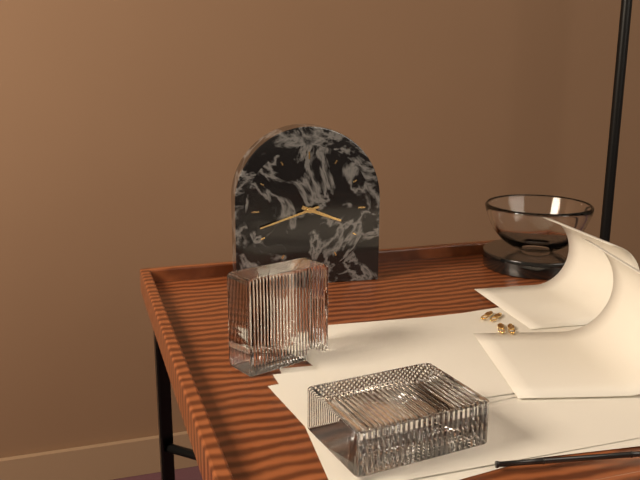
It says 3 h 42 min
